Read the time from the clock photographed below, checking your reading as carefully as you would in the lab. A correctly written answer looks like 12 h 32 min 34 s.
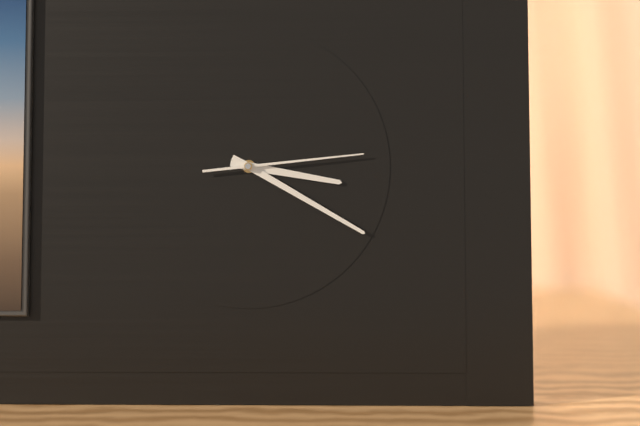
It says 3 h 20 min 14 s
